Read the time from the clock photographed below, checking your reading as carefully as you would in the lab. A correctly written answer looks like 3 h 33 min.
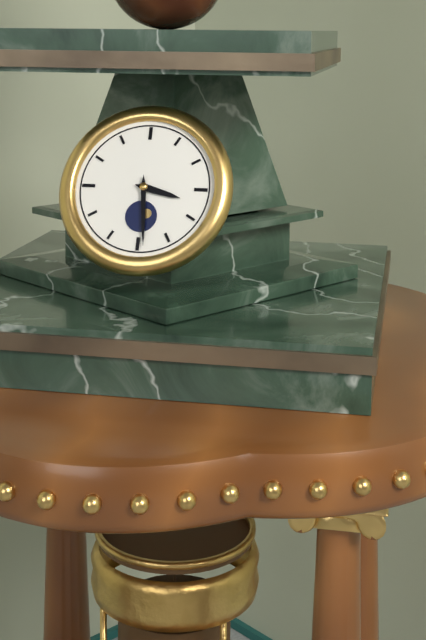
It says 3 h 29 min
